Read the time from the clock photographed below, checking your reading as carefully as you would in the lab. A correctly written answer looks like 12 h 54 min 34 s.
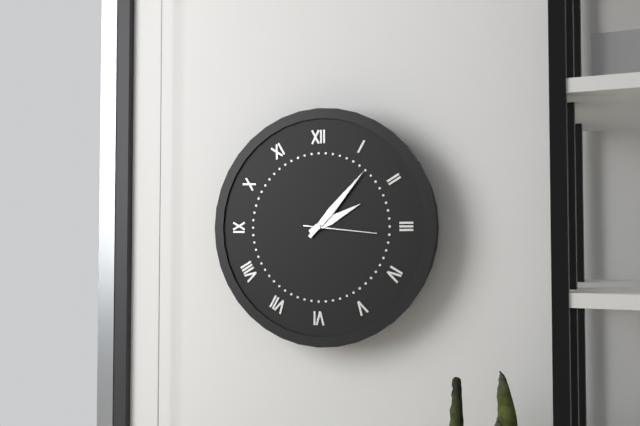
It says 2 h 07 min 16 s
